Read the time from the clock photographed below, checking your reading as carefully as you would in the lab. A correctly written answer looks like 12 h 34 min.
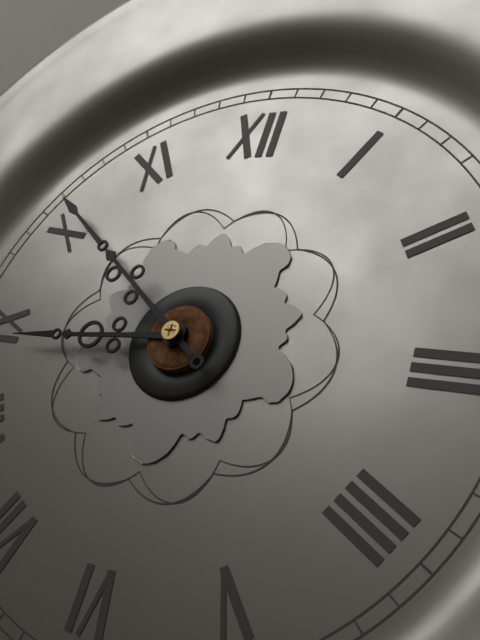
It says 8 h 51 min
